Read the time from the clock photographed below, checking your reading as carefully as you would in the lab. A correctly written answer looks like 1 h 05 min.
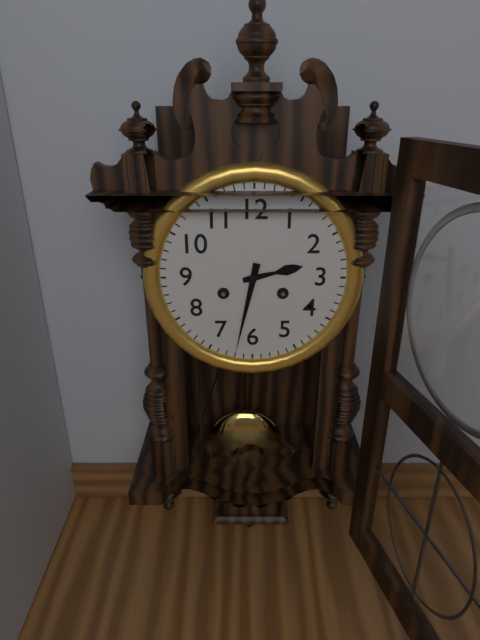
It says 2 h 32 min
